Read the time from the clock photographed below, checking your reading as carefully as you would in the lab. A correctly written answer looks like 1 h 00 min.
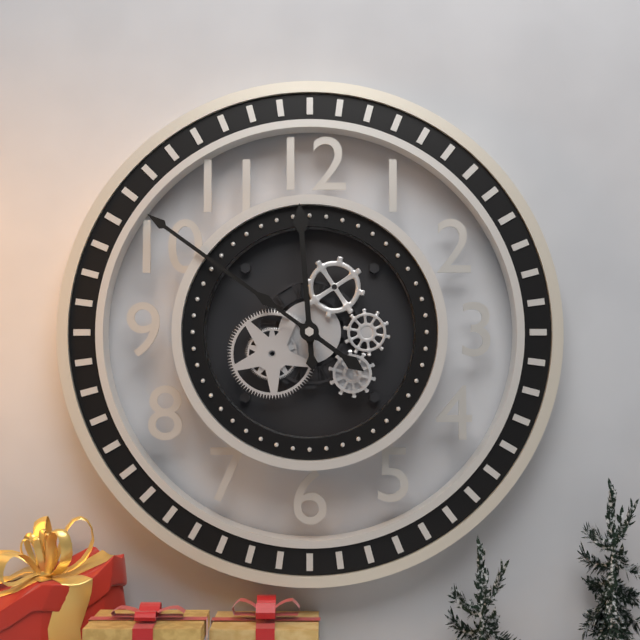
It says 11 h 51 min
